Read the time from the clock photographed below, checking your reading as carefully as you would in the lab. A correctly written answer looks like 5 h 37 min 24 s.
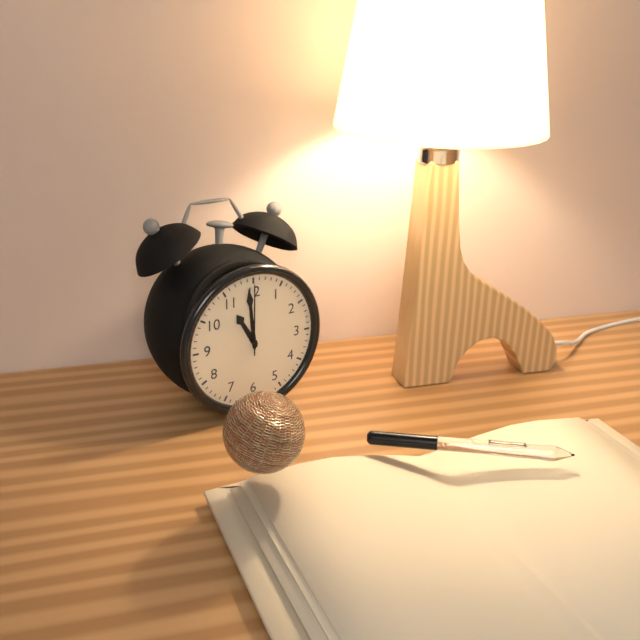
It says 10 h 59 min 00 s
